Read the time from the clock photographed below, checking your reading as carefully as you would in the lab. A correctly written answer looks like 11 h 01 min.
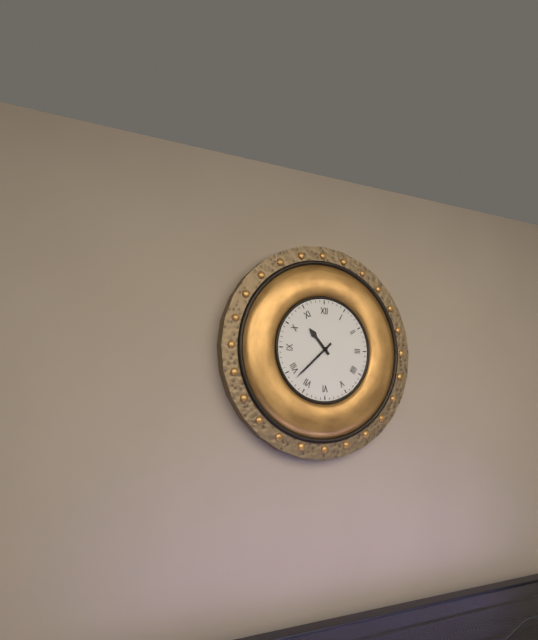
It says 10 h 38 min
